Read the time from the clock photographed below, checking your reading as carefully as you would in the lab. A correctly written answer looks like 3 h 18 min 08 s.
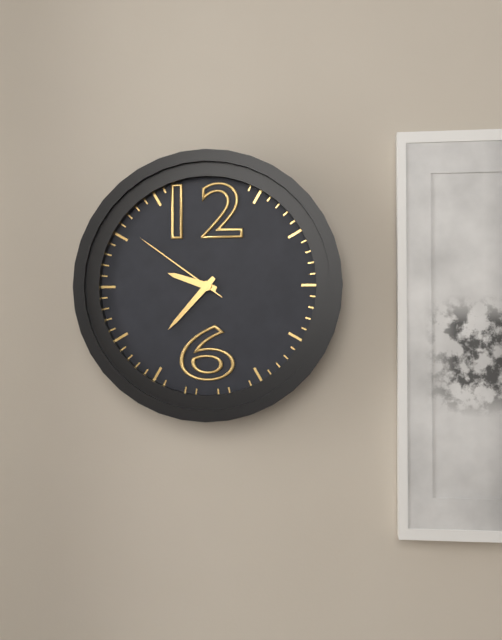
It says 9 h 37 min 51 s
